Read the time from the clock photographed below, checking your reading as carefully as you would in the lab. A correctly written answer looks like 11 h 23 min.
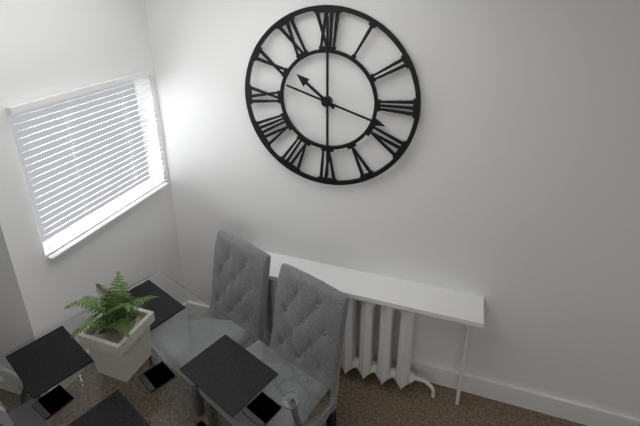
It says 10 h 18 min
